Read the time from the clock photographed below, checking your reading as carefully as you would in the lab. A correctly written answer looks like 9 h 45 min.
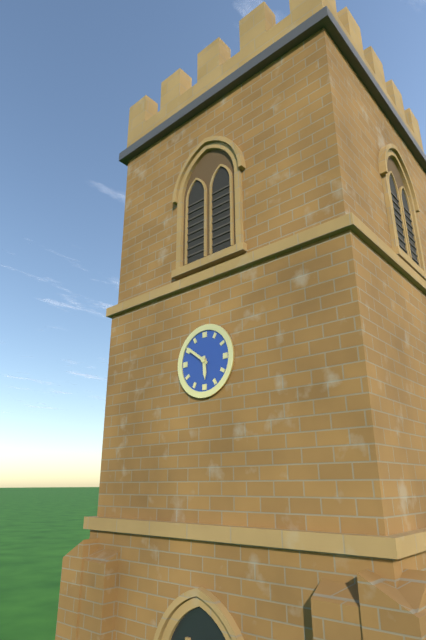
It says 5 h 51 min
